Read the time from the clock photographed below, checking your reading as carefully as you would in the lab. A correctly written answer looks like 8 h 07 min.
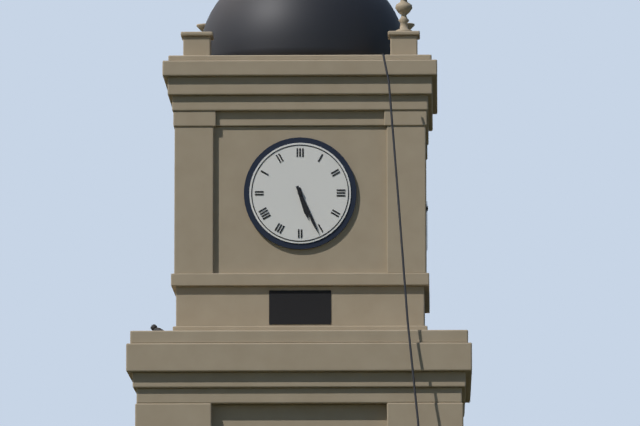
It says 5 h 26 min
